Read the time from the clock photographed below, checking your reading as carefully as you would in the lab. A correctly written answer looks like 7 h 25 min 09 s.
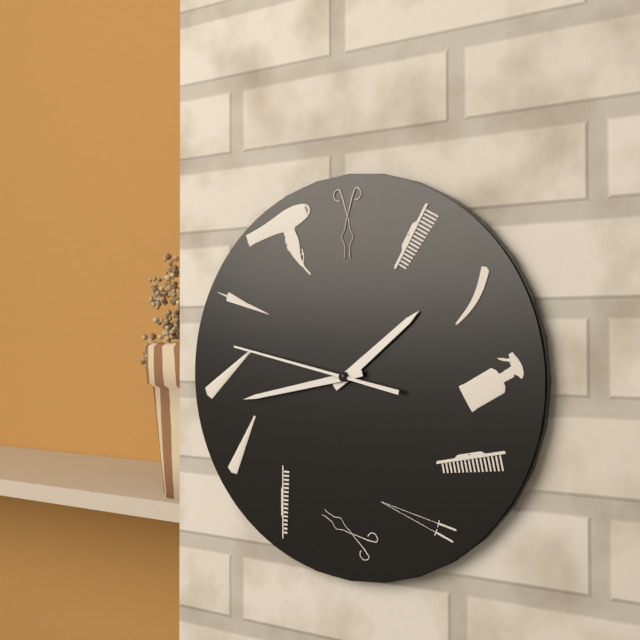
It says 1 h 43 min 47 s
